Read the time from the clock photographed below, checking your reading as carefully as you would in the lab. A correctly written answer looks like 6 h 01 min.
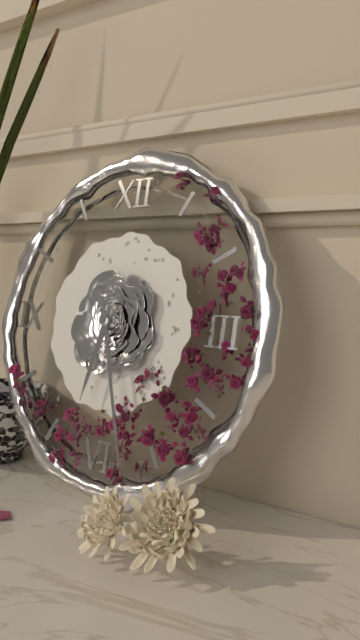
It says 6 h 27 min
